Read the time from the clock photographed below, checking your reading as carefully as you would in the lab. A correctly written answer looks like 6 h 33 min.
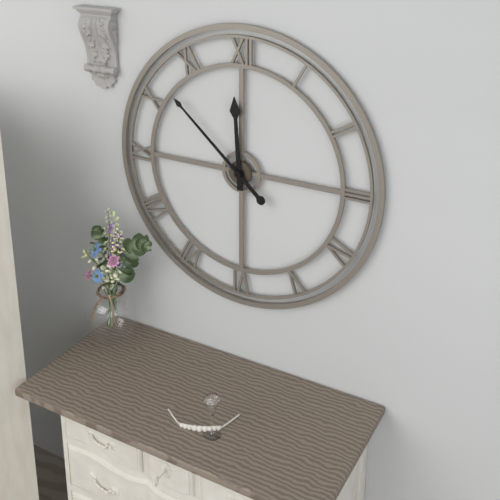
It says 11 h 52 min
